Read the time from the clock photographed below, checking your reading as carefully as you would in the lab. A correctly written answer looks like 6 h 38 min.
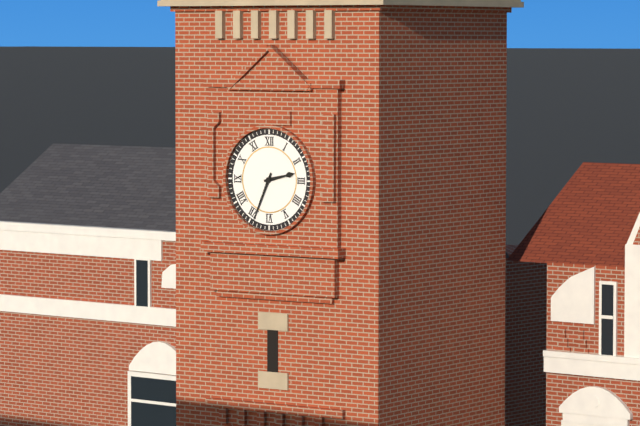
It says 2 h 34 min
